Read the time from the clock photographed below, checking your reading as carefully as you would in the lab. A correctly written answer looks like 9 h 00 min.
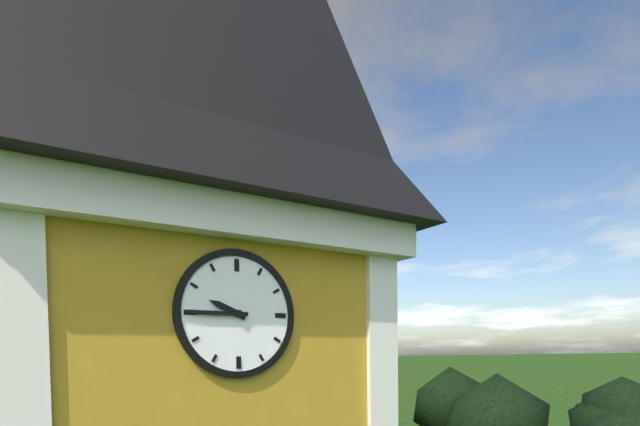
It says 9 h 45 min
